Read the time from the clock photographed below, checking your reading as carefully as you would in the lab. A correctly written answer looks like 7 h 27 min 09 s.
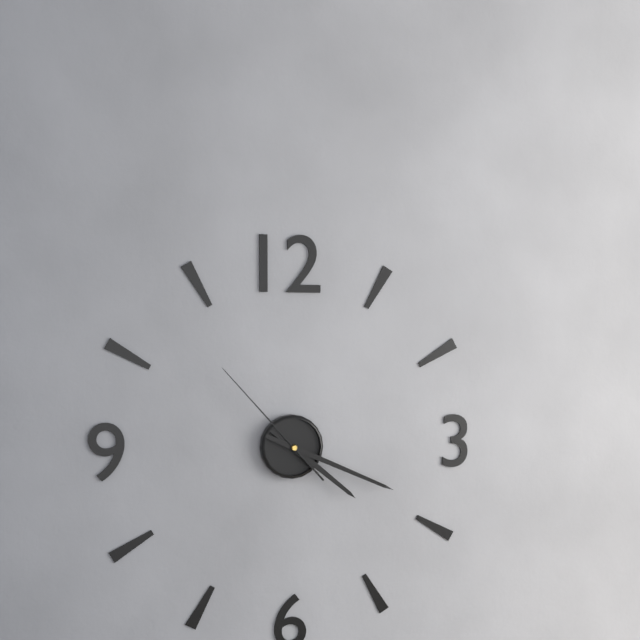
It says 4 h 19 min 53 s
